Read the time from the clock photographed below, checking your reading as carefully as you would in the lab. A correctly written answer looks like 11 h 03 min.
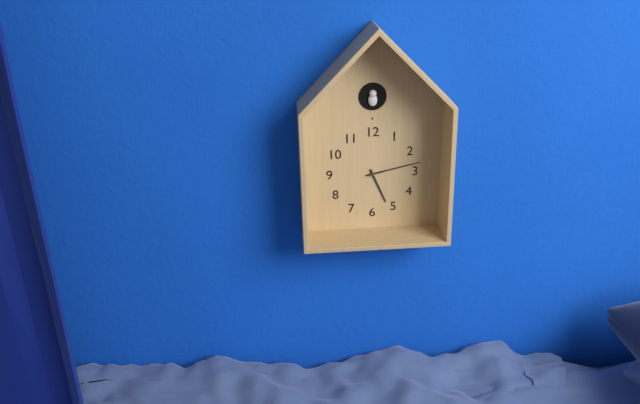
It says 5 h 13 min
